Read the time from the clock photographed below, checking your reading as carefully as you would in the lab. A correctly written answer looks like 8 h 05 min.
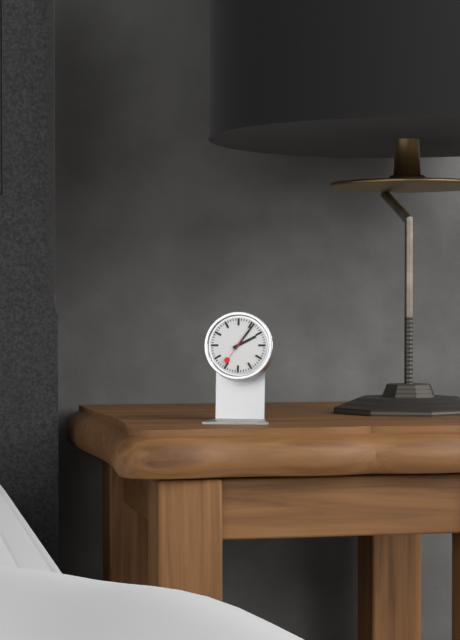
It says 2 h 06 min
